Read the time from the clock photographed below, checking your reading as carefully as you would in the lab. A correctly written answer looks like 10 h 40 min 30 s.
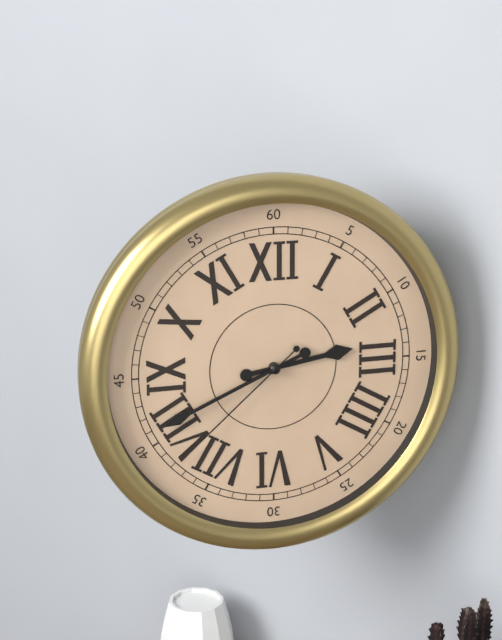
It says 2 h 41 min 38 s
